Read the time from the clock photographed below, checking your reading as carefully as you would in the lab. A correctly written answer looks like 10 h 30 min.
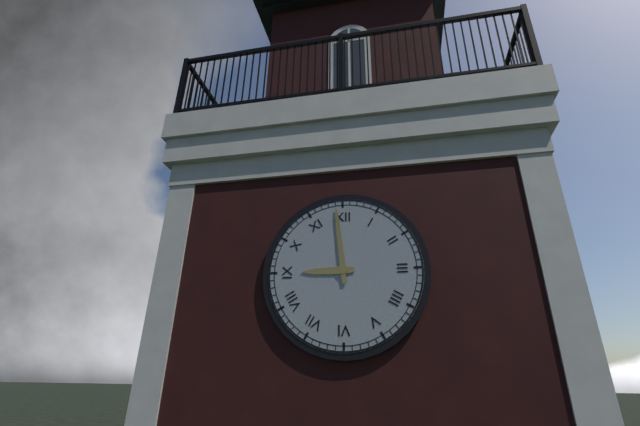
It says 8 h 59 min
